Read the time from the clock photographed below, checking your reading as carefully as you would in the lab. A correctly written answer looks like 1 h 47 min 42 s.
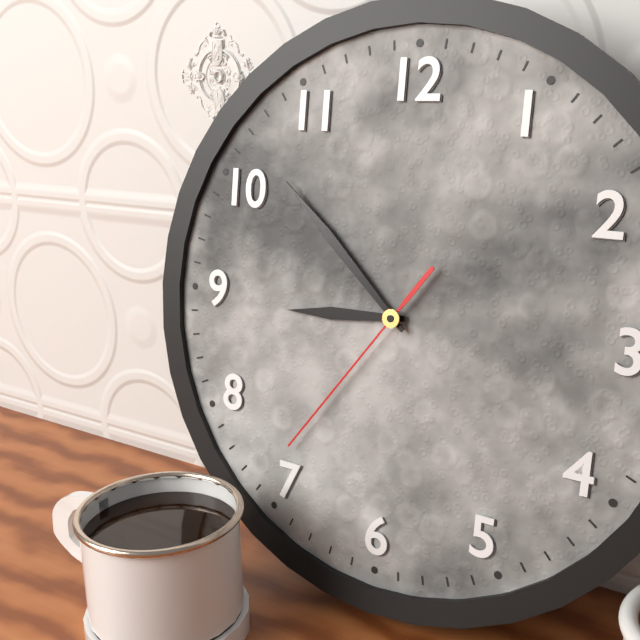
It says 8 h 52 min 36 s
